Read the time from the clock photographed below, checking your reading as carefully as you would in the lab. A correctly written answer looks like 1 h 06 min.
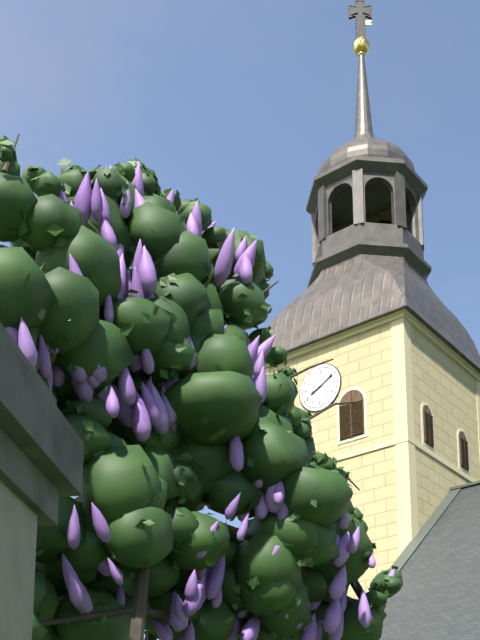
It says 8 h 10 min
